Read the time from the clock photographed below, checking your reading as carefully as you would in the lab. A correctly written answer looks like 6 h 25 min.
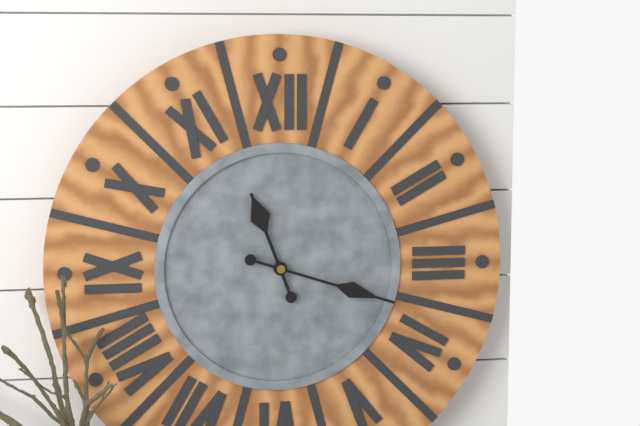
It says 11 h 18 min
